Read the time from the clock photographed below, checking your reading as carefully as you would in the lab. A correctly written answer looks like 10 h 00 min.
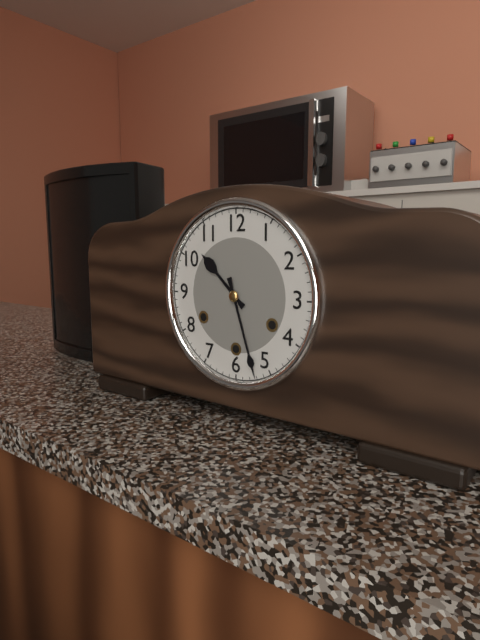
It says 10 h 27 min
